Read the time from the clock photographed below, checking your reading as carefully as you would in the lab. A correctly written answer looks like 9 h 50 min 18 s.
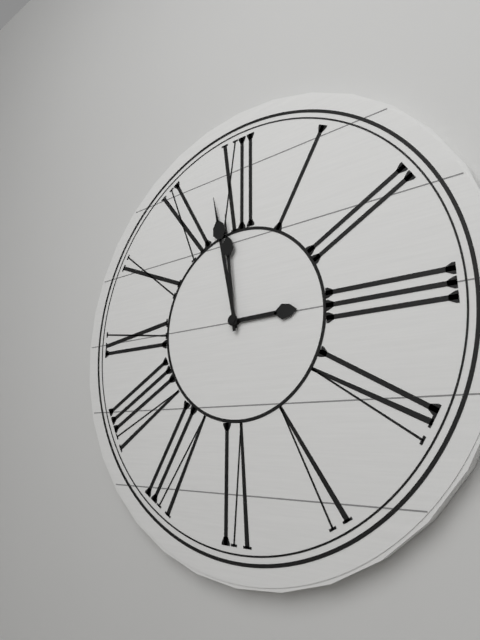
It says 2 h 58 min 59 s
